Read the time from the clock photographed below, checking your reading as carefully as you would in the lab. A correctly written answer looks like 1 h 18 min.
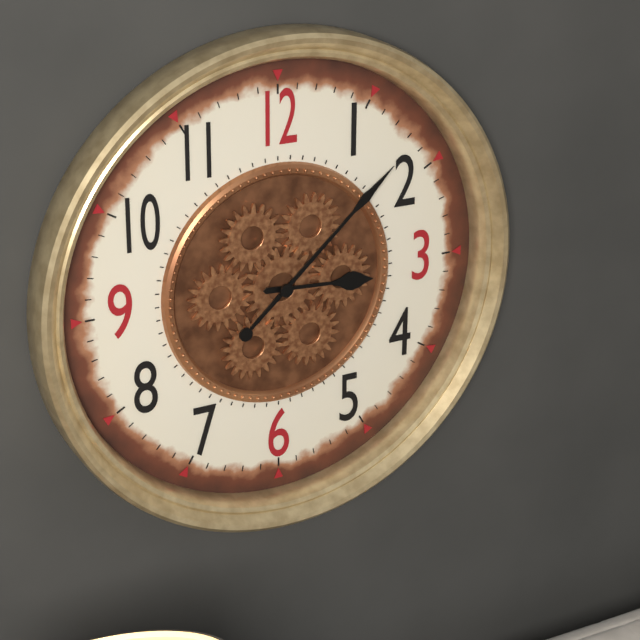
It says 3 h 08 min
